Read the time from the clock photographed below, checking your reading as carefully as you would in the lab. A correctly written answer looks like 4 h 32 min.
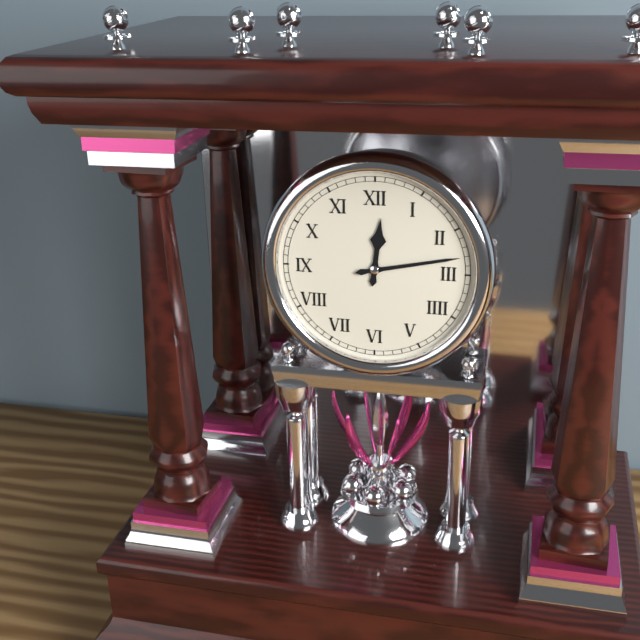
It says 12 h 13 min
